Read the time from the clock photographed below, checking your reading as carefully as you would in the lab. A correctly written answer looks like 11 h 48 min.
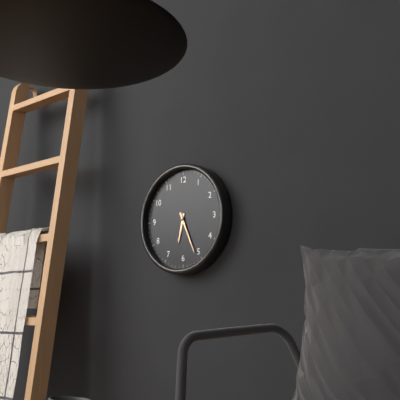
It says 6 h 26 min
